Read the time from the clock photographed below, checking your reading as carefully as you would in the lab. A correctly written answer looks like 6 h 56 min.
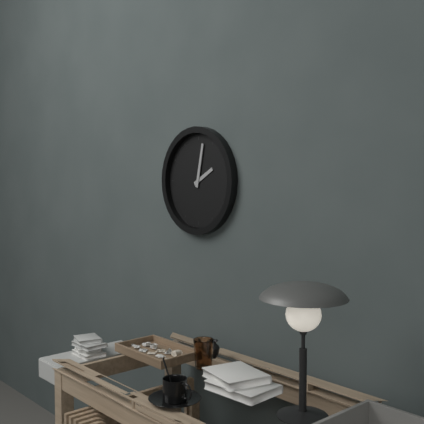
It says 2 h 02 min
